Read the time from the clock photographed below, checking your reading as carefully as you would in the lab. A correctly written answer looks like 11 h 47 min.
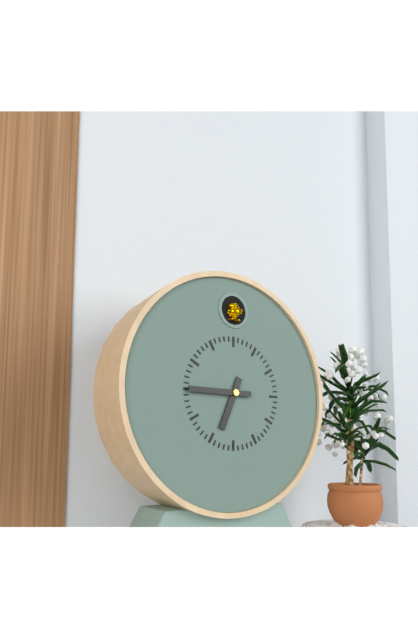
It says 6 h 45 min
